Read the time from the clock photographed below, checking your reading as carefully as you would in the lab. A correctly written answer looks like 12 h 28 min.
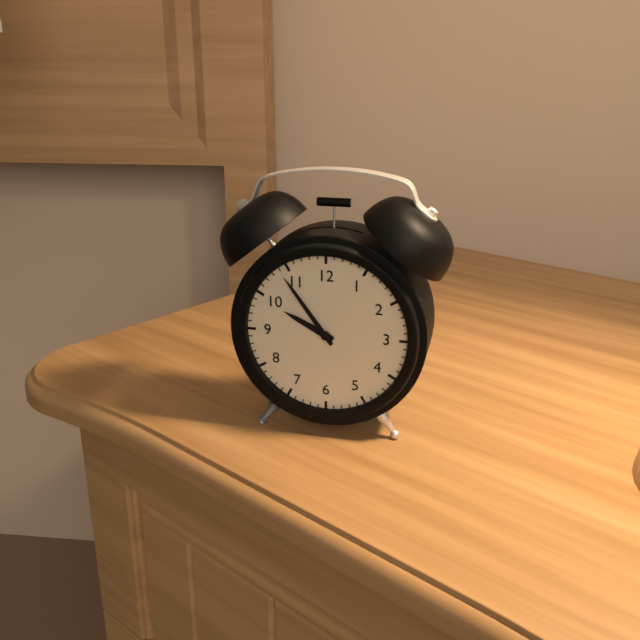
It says 9 h 54 min
